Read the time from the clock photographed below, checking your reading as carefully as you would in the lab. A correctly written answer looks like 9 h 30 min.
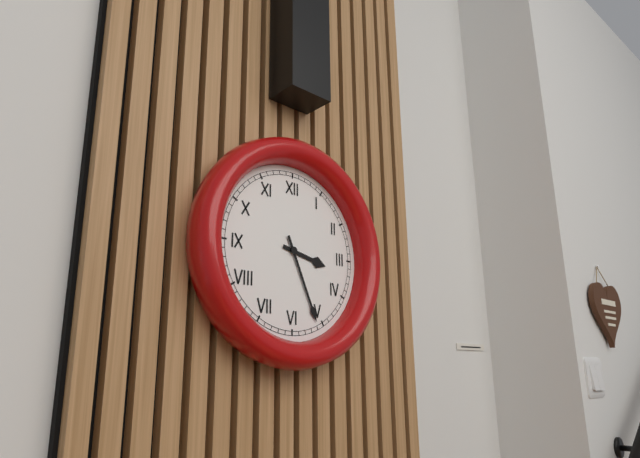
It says 3 h 26 min
